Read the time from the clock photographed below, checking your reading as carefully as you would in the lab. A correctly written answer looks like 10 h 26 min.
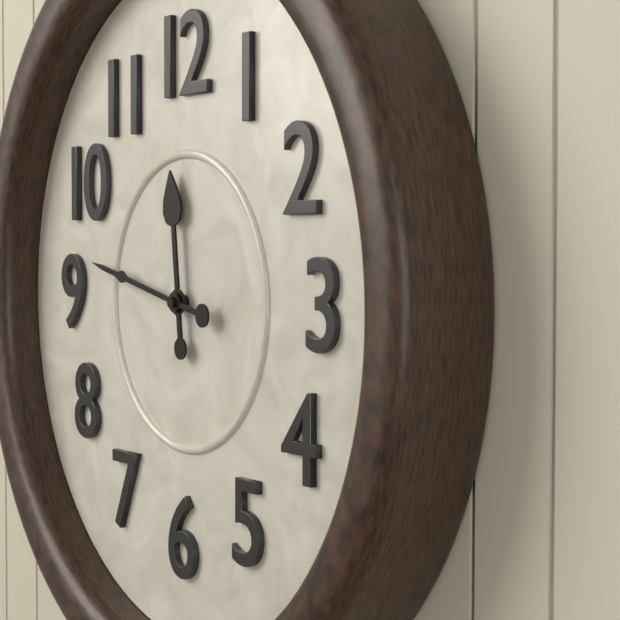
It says 11 h 47 min
